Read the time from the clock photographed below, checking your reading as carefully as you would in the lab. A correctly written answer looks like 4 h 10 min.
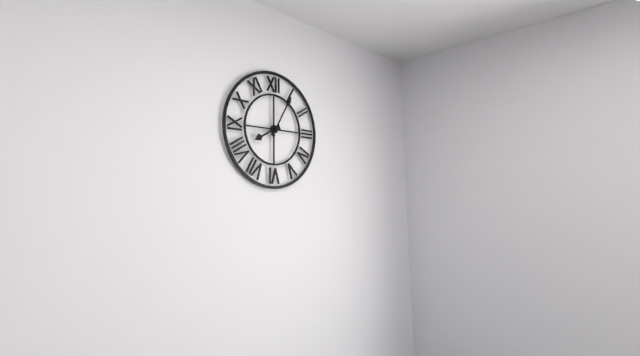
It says 8 h 05 min
